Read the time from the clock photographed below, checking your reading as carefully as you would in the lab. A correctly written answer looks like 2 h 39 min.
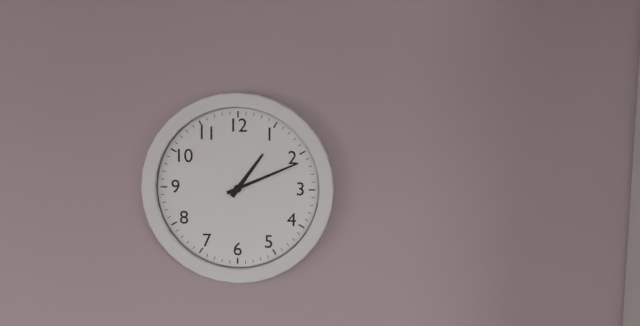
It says 1 h 11 min
